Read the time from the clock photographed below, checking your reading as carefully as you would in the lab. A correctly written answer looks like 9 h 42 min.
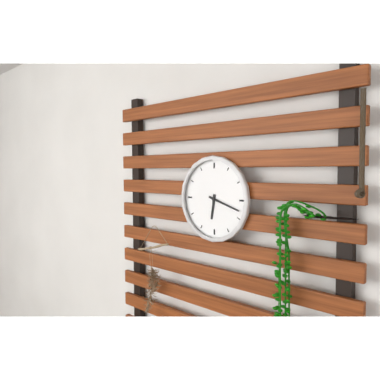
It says 6 h 18 min
